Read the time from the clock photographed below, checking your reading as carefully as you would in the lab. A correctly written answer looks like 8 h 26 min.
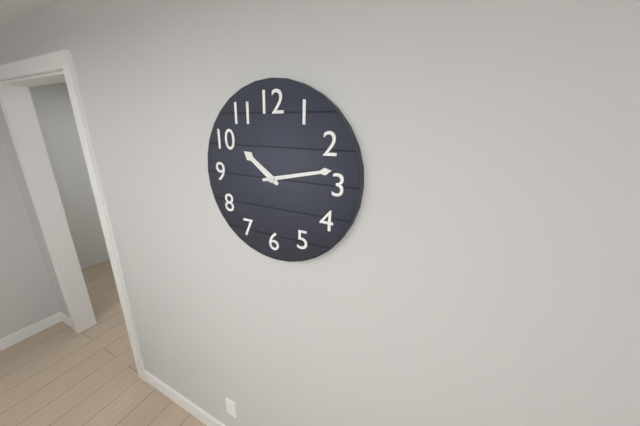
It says 10 h 13 min
